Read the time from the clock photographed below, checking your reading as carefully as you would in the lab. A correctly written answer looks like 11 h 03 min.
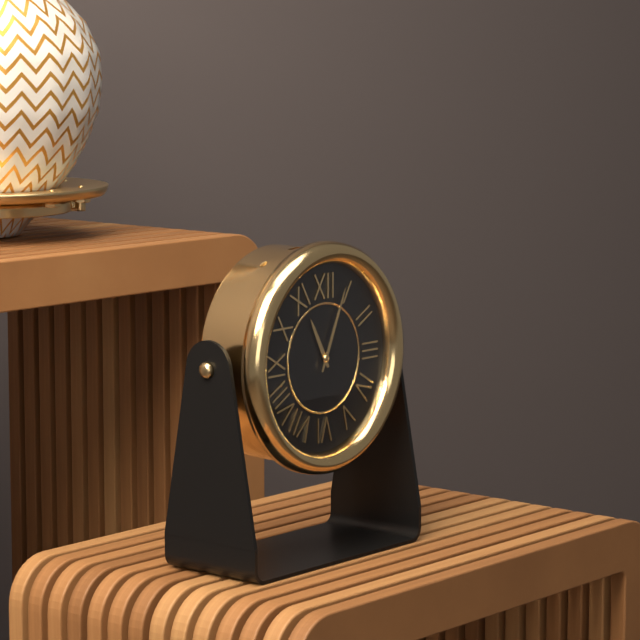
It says 11 h 04 min
